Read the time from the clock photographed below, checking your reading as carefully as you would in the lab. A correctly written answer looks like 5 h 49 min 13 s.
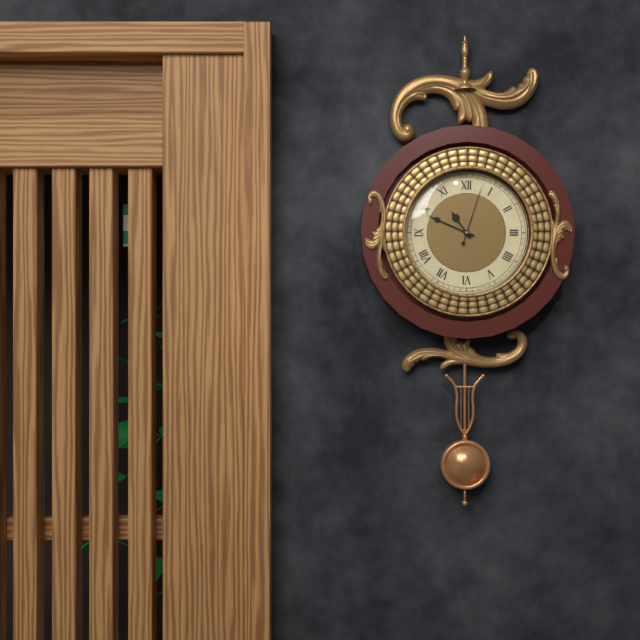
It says 10 h 49 min 03 s
